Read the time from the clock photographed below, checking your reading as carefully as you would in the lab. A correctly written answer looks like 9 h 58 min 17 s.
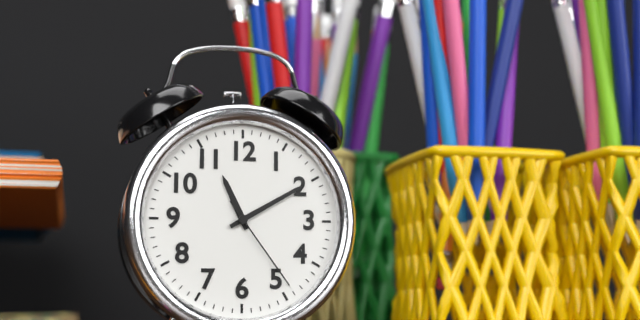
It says 11 h 10 min 24 s
